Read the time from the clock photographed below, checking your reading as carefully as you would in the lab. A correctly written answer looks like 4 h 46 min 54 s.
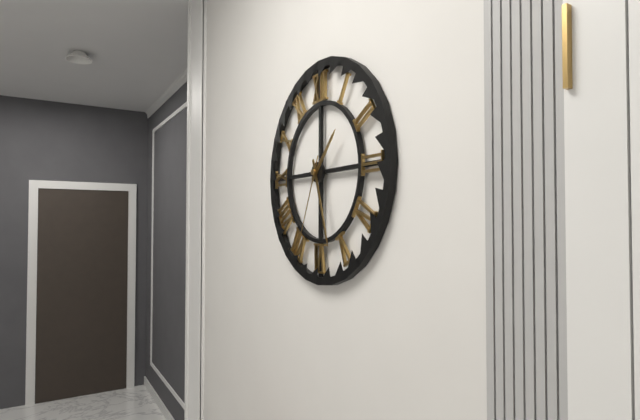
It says 1 h 27 min 34 s
